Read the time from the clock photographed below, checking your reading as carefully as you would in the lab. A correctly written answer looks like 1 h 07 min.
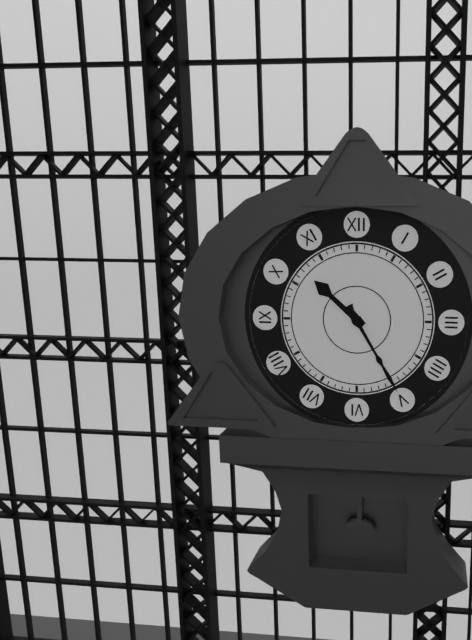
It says 10 h 25 min
